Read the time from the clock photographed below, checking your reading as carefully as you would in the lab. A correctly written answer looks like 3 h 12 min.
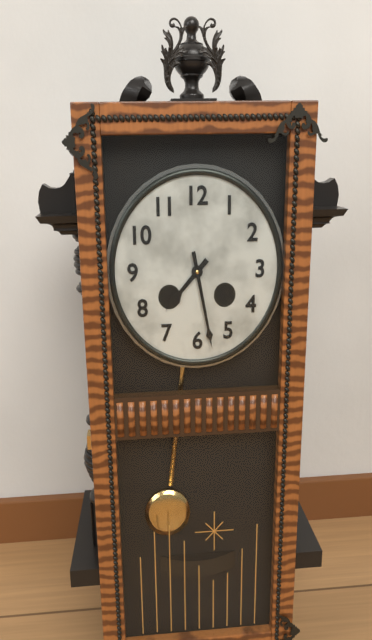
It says 7 h 28 min
